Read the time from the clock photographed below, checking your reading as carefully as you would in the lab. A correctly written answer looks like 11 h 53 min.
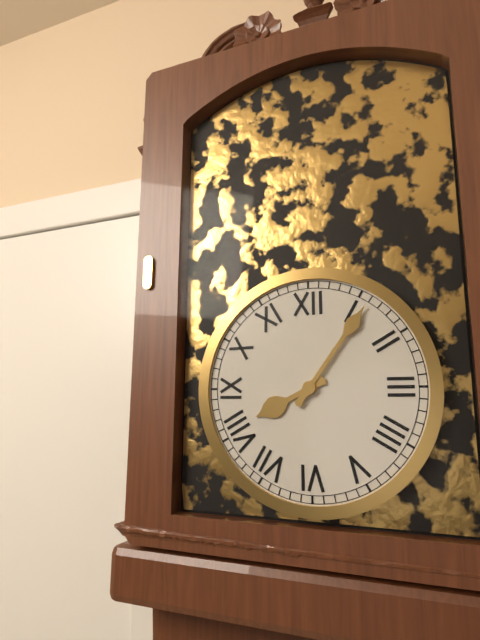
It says 8 h 06 min
